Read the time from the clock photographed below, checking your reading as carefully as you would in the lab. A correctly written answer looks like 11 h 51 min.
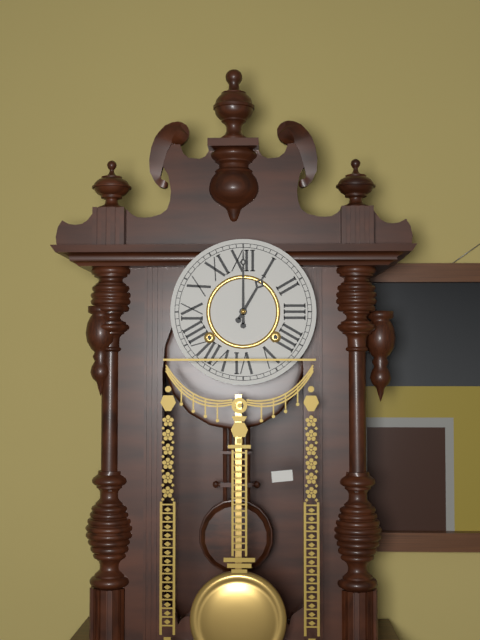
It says 1 h 00 min
